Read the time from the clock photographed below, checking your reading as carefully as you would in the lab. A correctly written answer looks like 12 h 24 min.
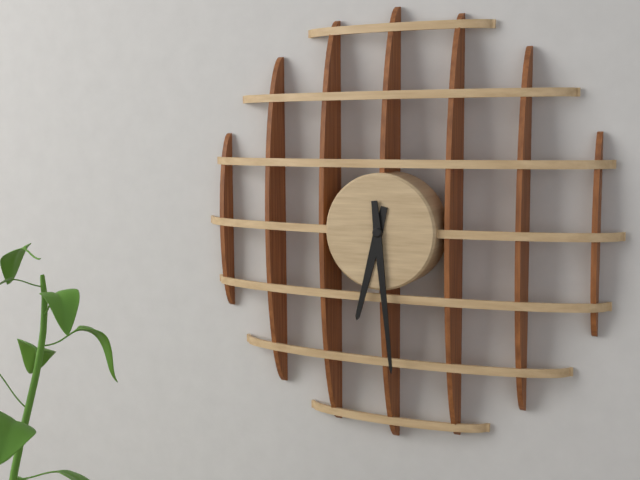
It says 6 h 29 min
